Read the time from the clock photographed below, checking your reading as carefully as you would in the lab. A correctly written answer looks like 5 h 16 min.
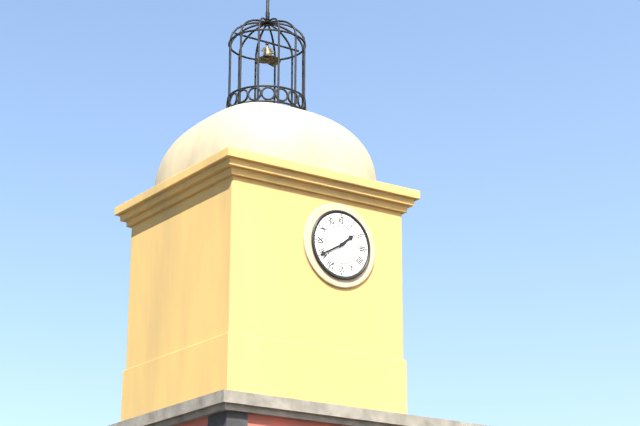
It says 1 h 40 min
